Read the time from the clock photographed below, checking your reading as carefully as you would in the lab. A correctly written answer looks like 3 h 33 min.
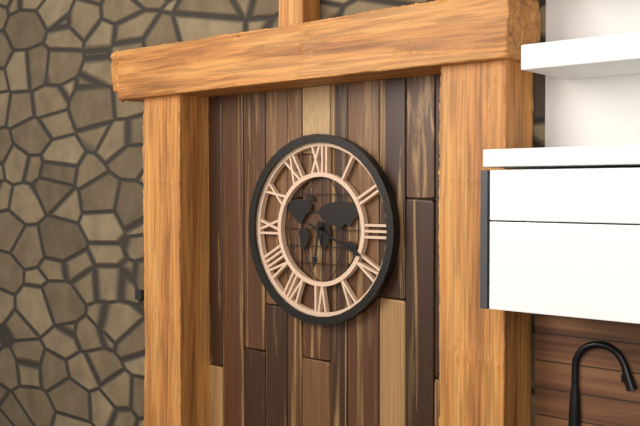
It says 6 h 19 min
